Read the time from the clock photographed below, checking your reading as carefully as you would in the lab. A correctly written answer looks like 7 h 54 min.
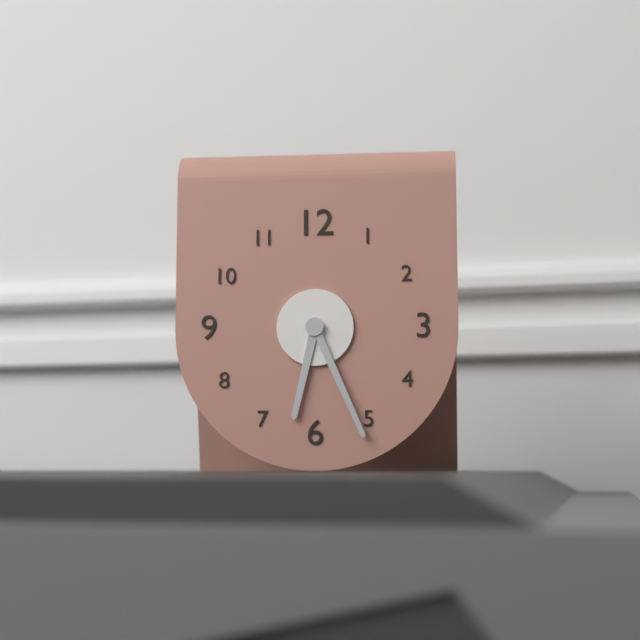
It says 6 h 26 min
